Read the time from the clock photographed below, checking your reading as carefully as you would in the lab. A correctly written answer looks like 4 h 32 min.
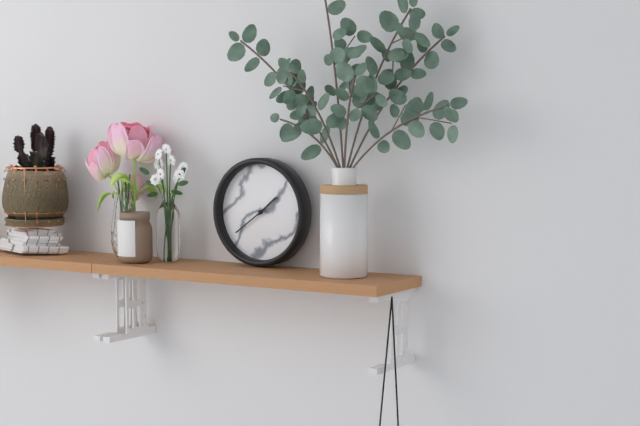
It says 1 h 39 min
